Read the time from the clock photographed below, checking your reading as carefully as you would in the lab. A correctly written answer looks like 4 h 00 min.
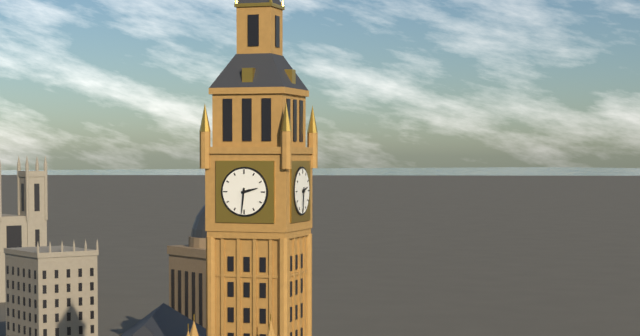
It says 2 h 31 min
